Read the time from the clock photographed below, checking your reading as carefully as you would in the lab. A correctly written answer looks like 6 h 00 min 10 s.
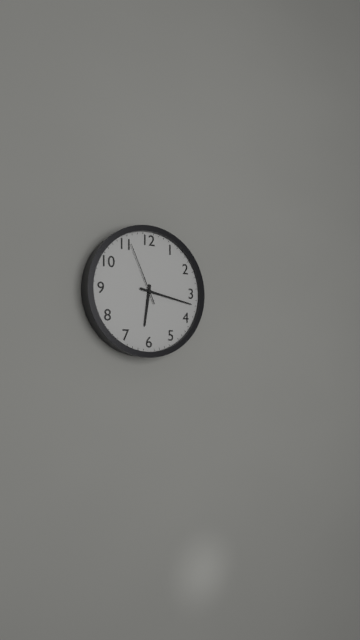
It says 6 h 17 min 56 s
